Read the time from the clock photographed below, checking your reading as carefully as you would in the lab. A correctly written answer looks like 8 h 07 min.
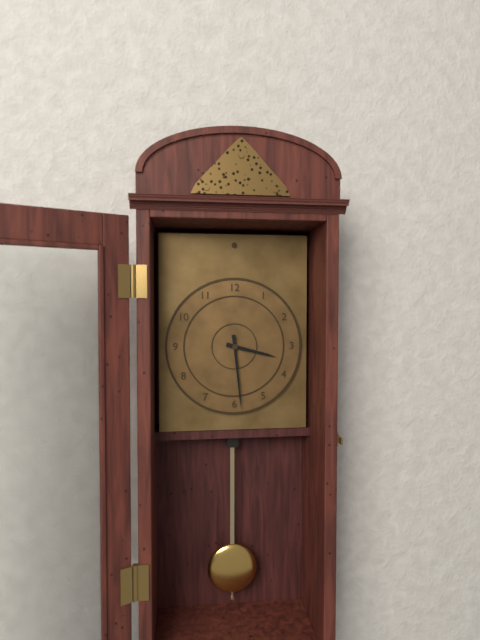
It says 3 h 29 min
